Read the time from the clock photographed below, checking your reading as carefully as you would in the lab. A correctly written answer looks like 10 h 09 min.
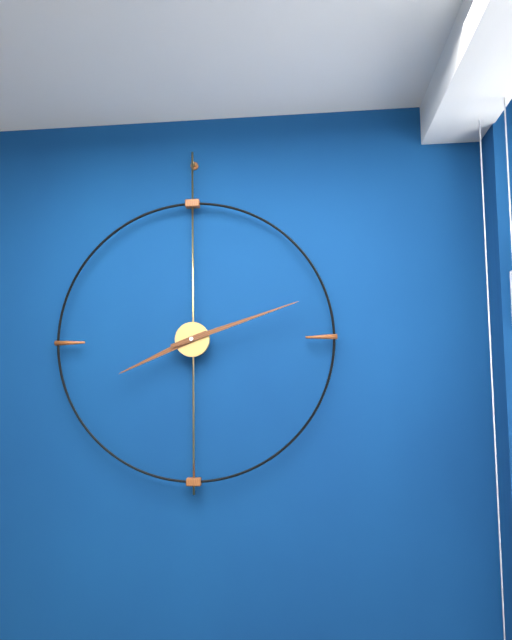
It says 8 h 12 min
